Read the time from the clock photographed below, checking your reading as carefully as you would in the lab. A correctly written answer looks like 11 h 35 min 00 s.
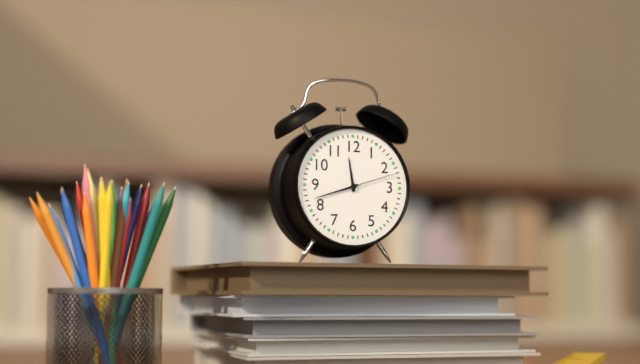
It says 11 h 42 min 12 s
